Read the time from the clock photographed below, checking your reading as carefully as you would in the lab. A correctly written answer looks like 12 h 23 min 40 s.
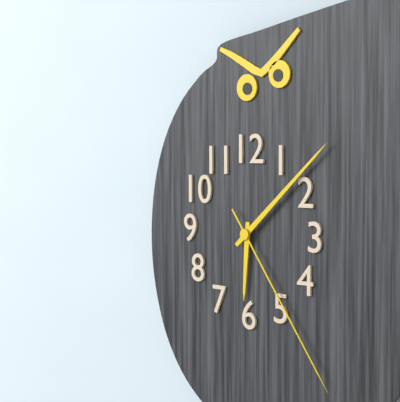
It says 6 h 08 min 24 s
